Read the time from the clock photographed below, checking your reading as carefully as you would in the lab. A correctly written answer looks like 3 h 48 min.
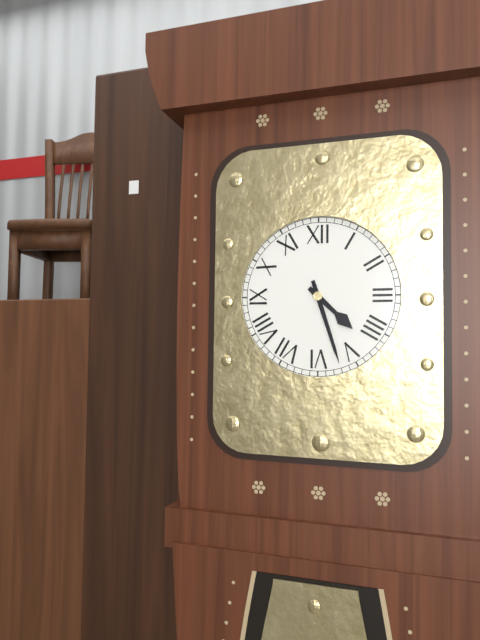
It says 4 h 27 min
